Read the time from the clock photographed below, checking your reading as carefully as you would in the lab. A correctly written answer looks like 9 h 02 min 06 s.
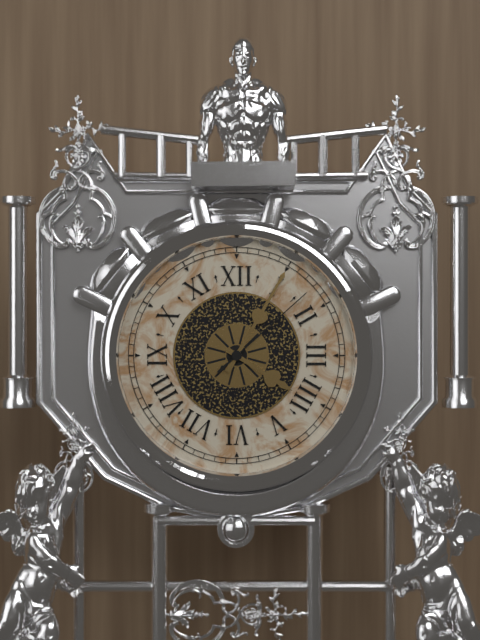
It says 4 h 05 min 08 s
